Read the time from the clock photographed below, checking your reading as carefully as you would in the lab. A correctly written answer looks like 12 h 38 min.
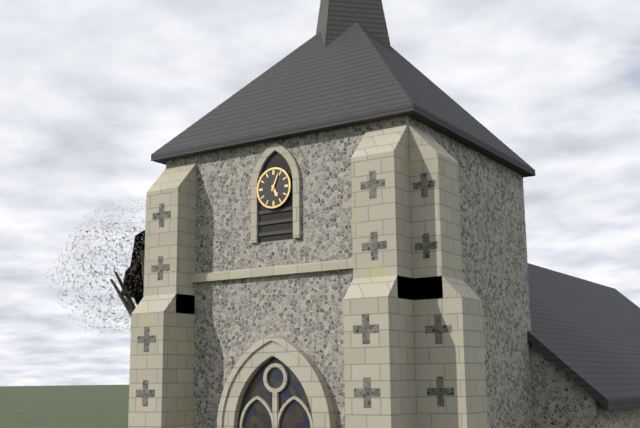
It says 5 h 04 min
